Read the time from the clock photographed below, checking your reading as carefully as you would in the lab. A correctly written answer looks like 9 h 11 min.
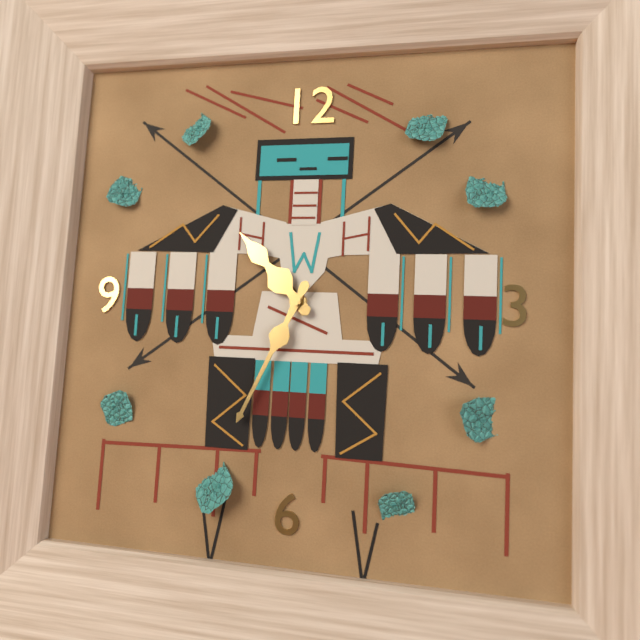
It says 10 h 34 min
